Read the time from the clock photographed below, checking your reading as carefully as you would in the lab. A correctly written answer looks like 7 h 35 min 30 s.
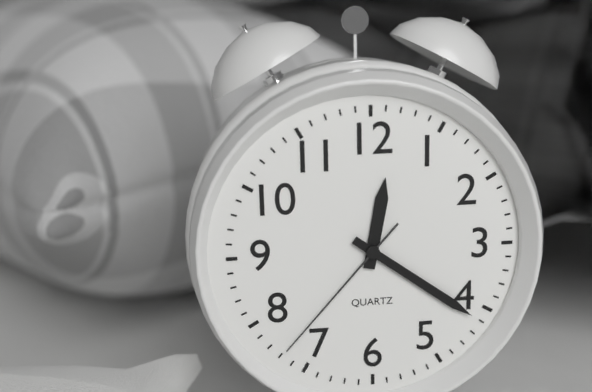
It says 12 h 21 min 37 s
